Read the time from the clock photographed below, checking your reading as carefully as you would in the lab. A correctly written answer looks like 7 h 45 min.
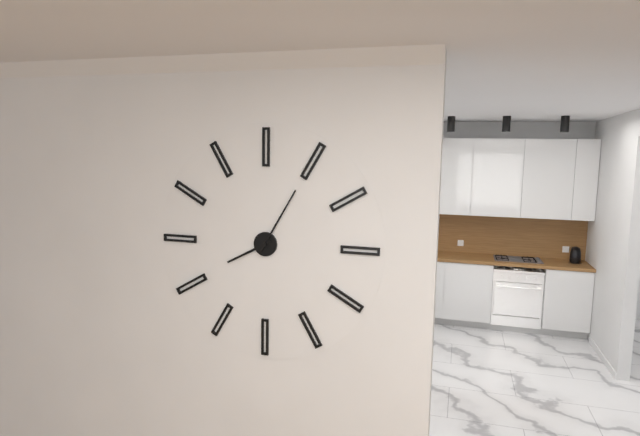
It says 8 h 05 min
